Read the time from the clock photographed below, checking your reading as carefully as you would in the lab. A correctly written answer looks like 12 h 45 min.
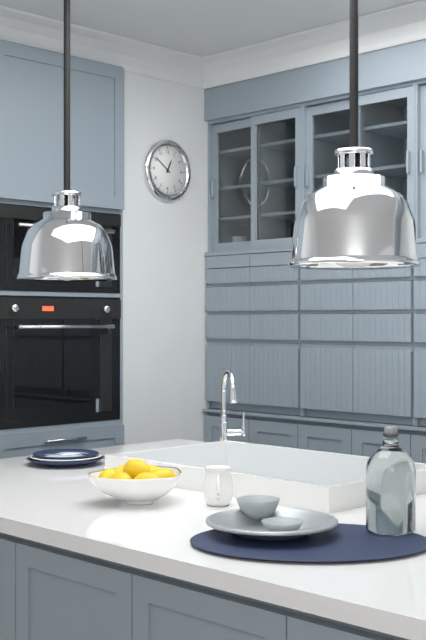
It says 12 h 51 min
